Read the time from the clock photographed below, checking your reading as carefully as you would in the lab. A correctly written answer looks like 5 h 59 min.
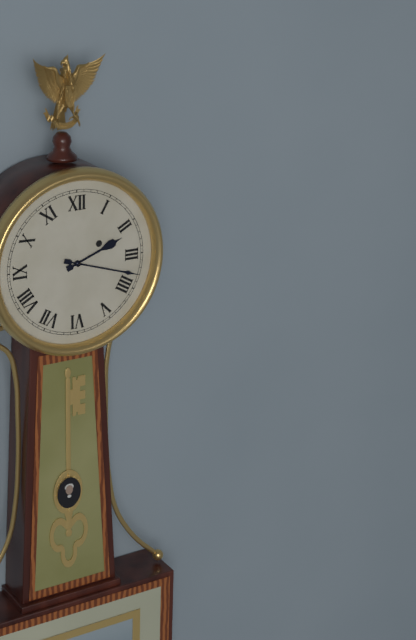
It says 2 h 18 min
